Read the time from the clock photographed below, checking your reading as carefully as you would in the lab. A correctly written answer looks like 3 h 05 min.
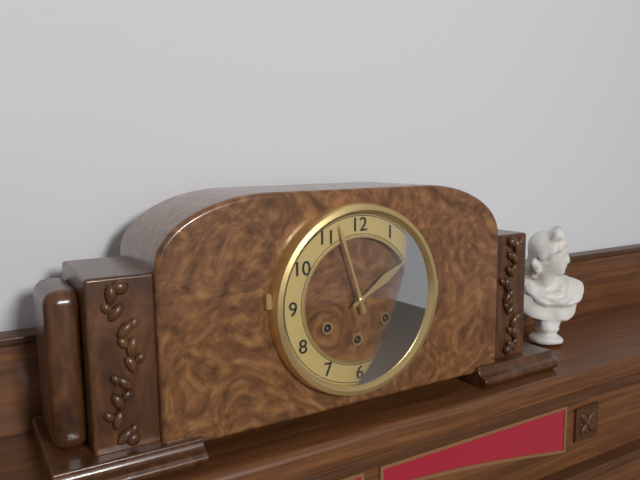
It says 1 h 57 min
